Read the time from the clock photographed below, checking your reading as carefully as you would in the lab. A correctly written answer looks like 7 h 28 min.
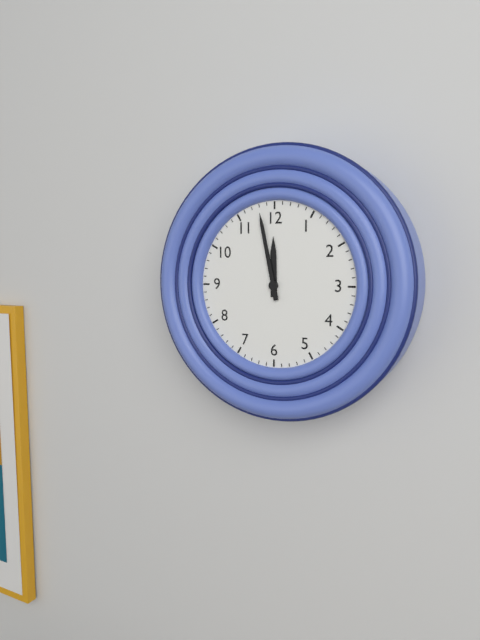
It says 11 h 58 min
